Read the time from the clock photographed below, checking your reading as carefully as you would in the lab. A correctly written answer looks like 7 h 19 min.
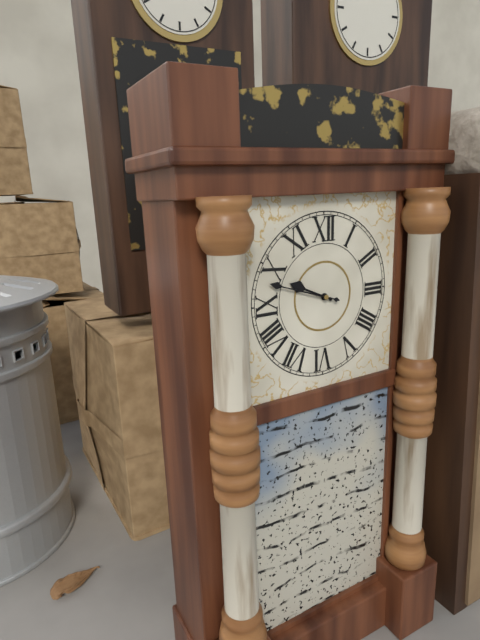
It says 9 h 48 min
